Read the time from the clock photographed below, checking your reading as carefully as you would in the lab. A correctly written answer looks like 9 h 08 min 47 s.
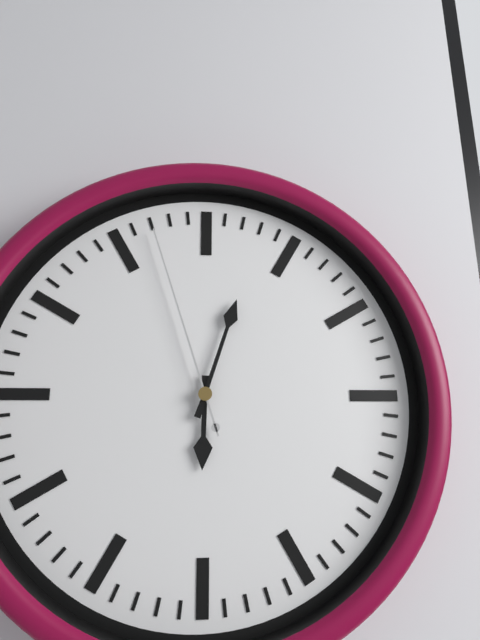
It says 6 h 03 min 57 s
